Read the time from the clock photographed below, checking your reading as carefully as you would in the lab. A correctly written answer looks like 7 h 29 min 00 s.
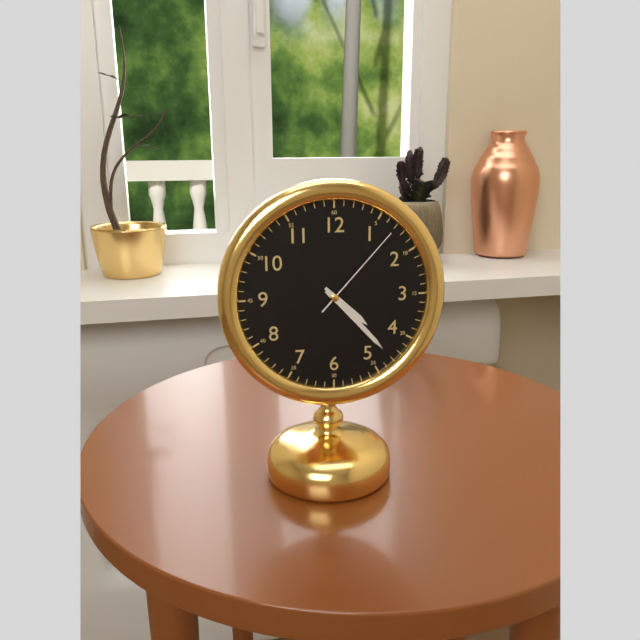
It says 4 h 23 min 07 s
